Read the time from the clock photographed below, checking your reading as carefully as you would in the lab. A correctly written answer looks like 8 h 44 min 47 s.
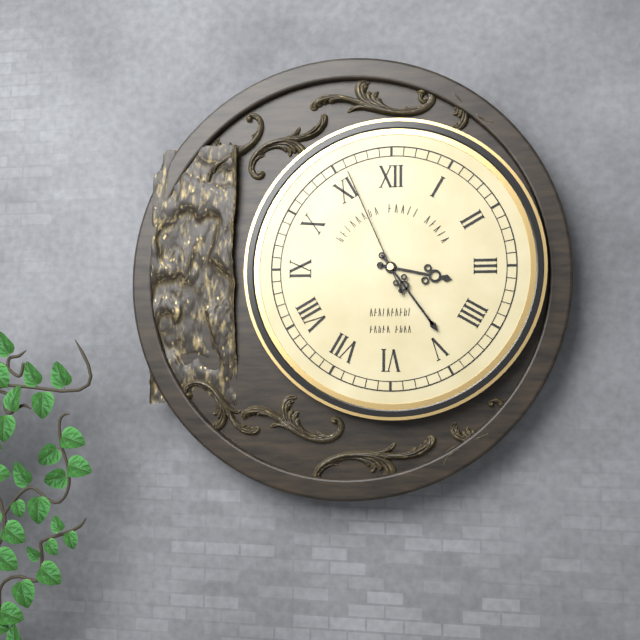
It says 3 h 24 min 56 s
